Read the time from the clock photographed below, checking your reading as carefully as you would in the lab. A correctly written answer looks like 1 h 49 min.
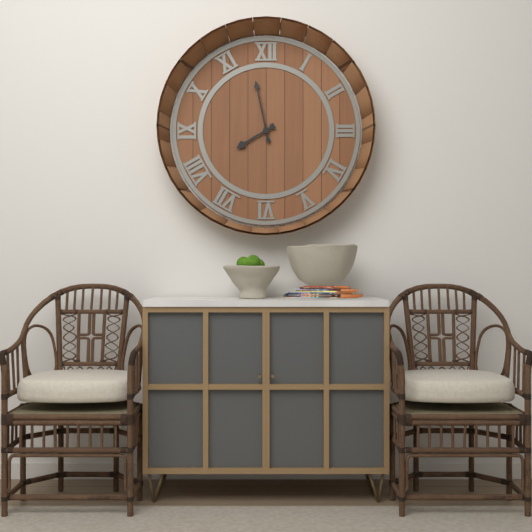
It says 7 h 58 min
